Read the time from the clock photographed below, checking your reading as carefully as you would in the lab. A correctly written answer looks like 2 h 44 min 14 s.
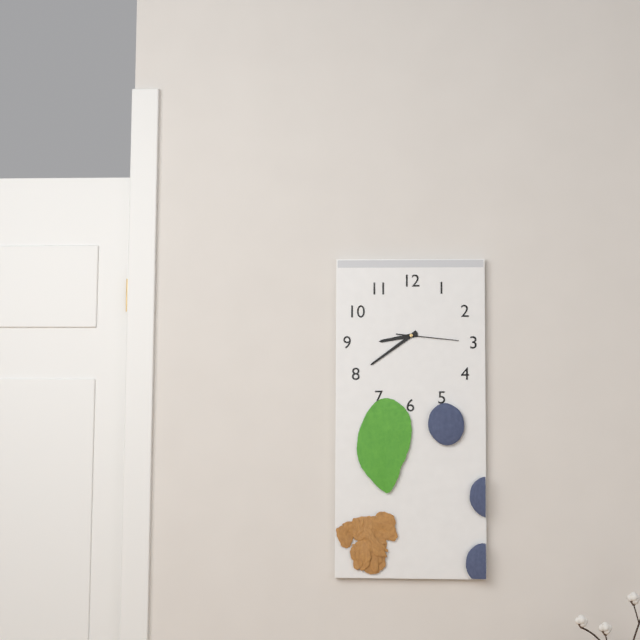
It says 8 h 39 min 16 s
